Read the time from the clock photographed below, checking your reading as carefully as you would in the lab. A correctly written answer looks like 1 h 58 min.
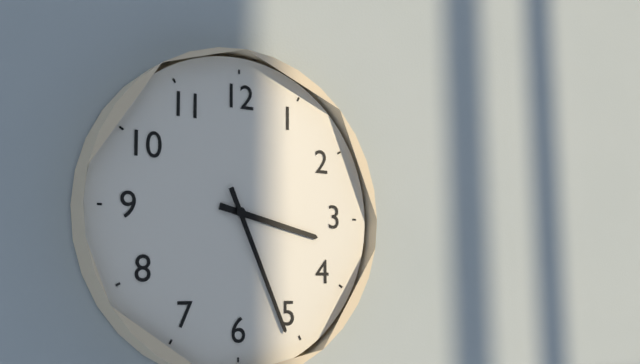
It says 3 h 26 min
